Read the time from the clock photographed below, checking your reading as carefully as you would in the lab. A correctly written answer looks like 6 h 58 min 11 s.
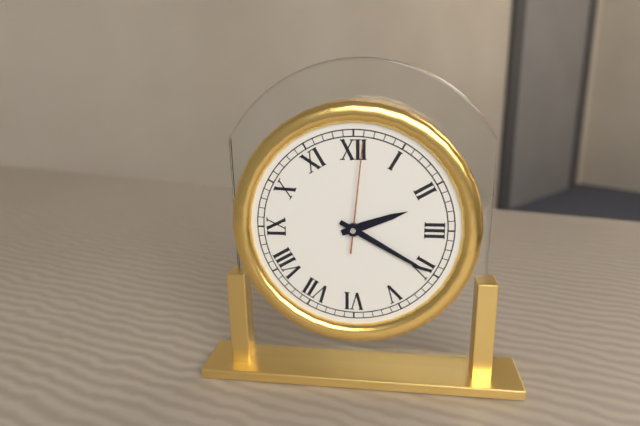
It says 2 h 20 min 01 s
